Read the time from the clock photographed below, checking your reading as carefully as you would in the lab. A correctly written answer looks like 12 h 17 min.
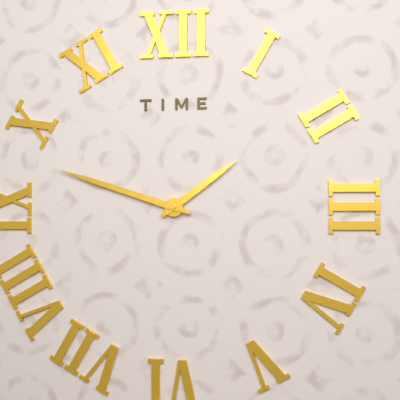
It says 1 h 48 min
